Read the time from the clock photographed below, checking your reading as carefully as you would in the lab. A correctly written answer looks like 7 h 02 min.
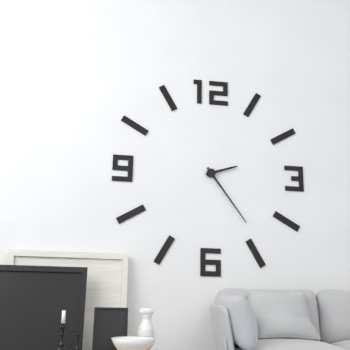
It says 2 h 24 min
